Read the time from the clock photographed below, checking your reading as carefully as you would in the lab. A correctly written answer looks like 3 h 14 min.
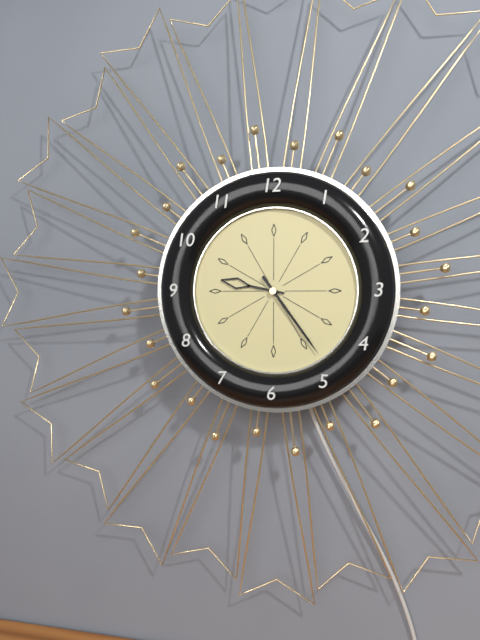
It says 9 h 24 min
